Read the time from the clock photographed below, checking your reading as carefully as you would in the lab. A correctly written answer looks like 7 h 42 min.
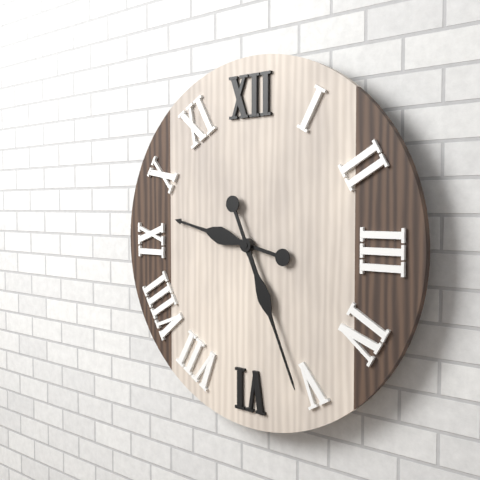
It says 9 h 26 min
